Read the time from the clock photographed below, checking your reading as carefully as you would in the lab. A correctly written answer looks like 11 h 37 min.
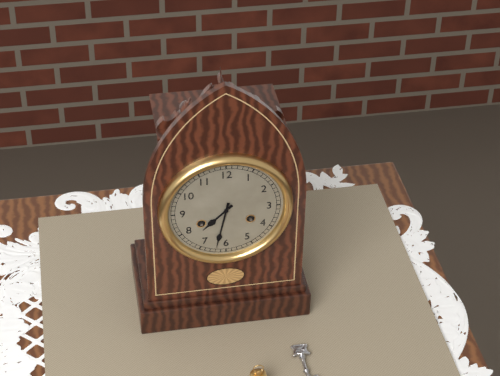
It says 7 h 32 min
